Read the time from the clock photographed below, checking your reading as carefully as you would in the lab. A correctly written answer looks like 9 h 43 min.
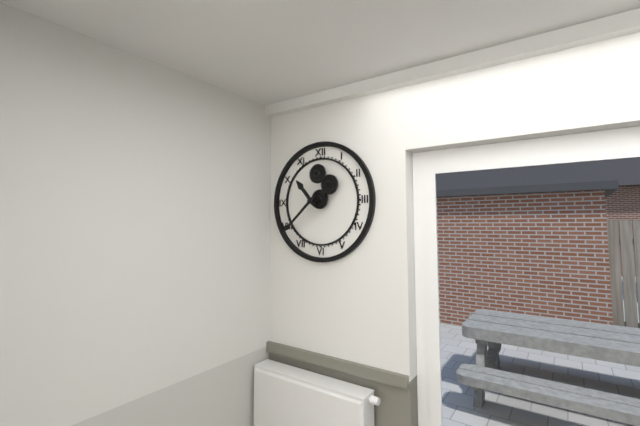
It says 10 h 38 min
